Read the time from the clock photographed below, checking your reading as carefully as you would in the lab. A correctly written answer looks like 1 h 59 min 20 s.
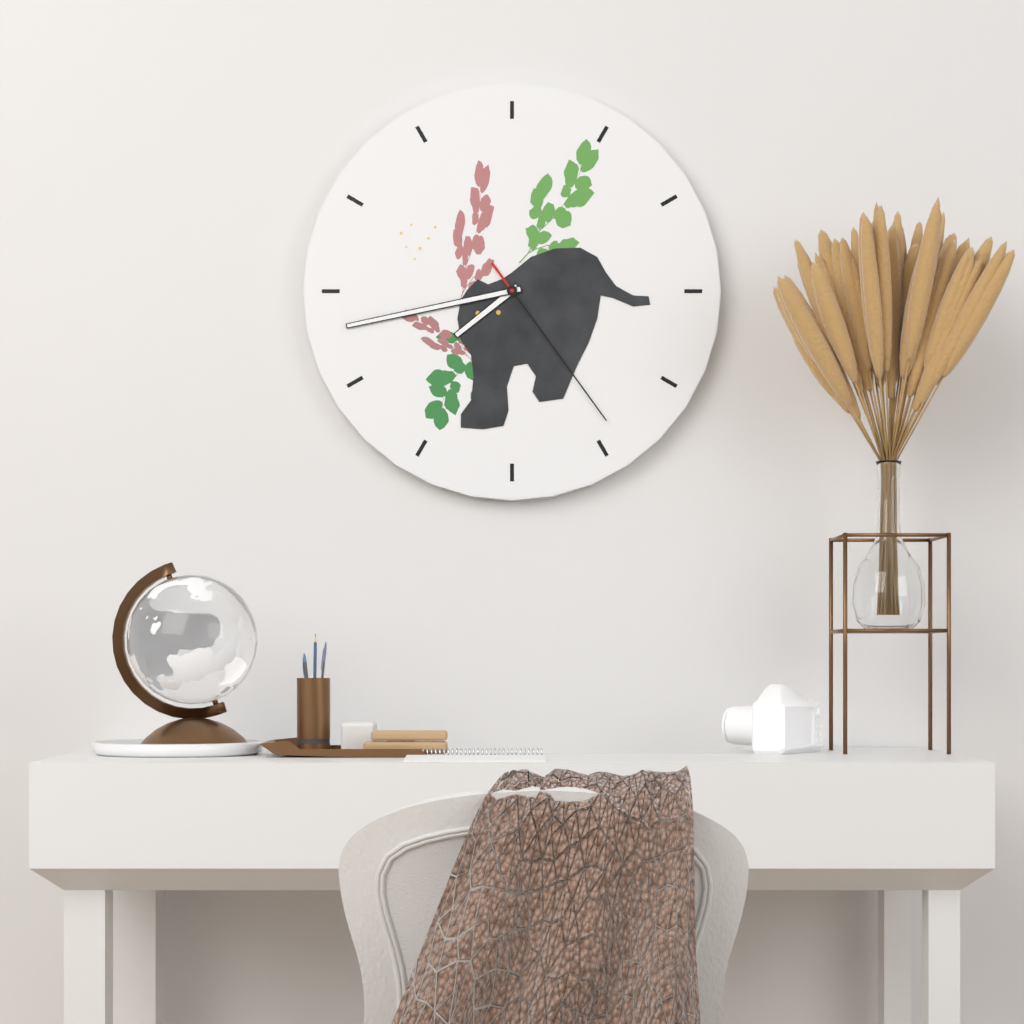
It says 7 h 43 min 24 s
